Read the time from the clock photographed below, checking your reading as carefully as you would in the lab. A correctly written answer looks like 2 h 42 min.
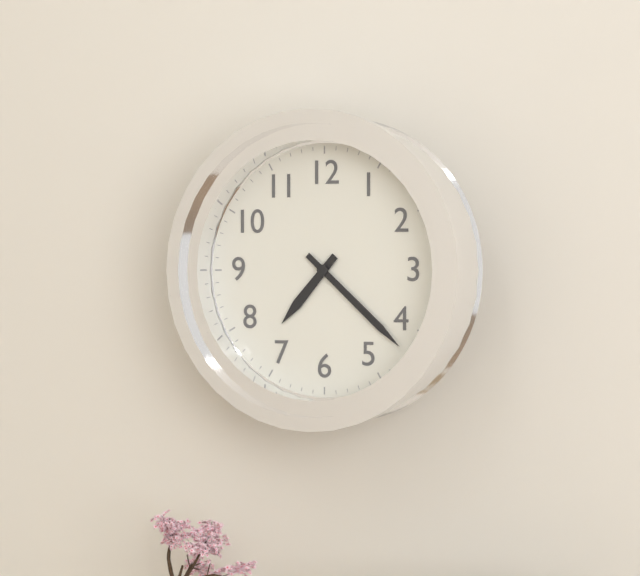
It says 7 h 22 min
